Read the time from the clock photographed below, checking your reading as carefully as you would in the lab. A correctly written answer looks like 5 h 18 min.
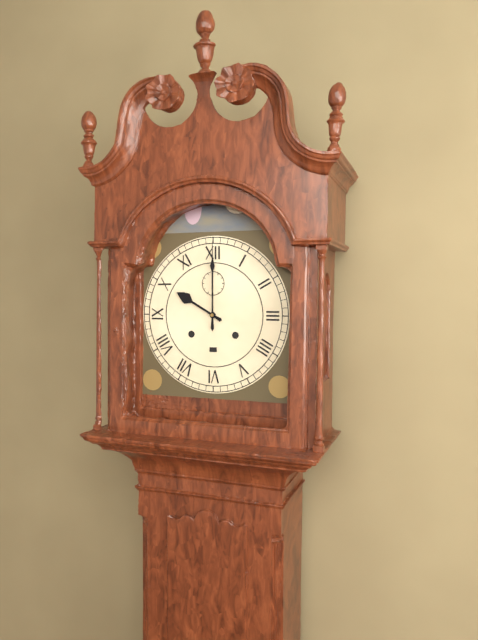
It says 10 h 00 min
